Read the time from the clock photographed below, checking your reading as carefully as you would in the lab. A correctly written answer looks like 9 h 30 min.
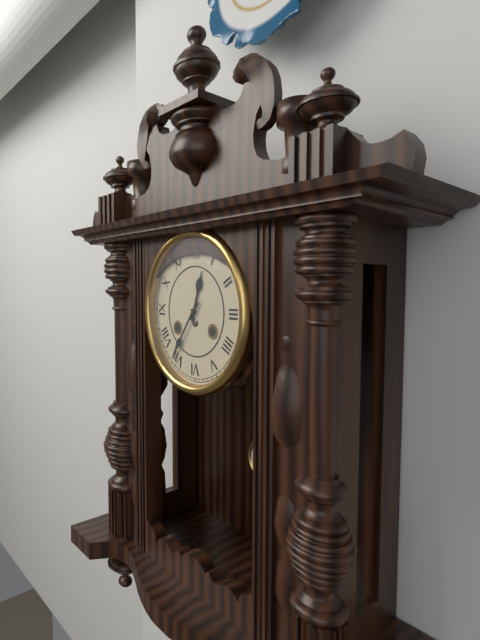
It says 12 h 36 min
